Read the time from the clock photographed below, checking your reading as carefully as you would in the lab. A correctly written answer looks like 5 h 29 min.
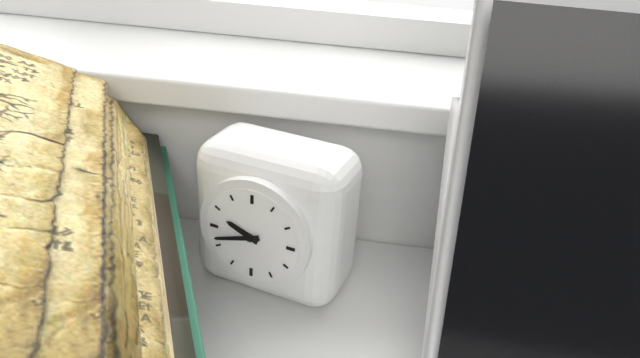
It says 9 h 42 min
